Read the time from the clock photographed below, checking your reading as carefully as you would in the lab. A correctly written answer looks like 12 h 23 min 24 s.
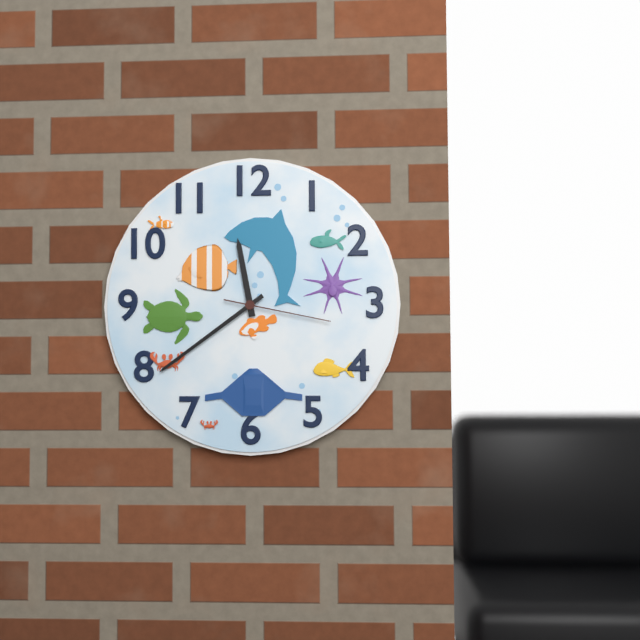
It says 11 h 39 min 17 s
